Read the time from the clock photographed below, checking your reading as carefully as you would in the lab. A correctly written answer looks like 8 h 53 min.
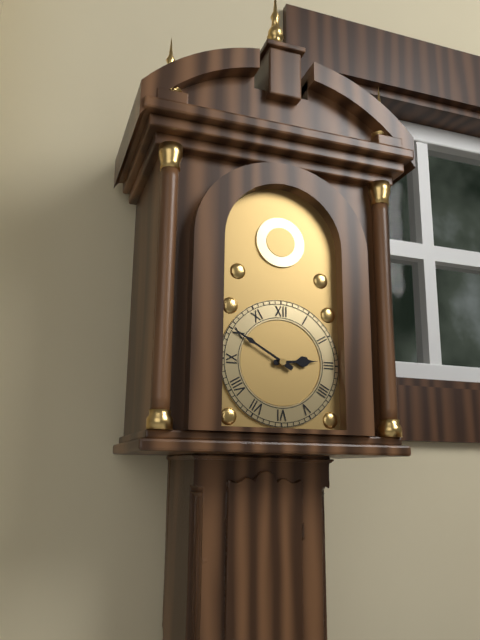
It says 2 h 50 min
